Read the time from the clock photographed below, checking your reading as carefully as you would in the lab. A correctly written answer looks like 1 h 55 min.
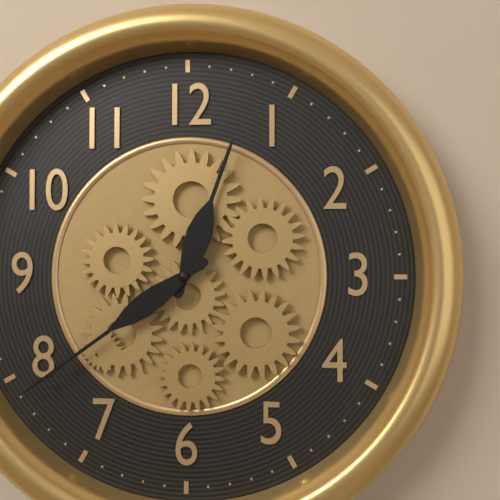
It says 12 h 39 min
